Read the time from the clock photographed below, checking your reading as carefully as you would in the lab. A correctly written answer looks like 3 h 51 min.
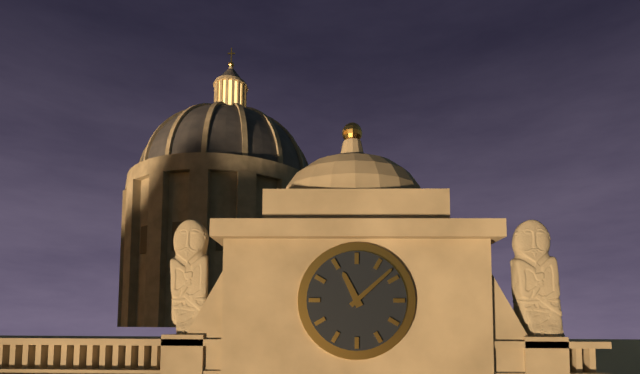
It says 11 h 08 min
